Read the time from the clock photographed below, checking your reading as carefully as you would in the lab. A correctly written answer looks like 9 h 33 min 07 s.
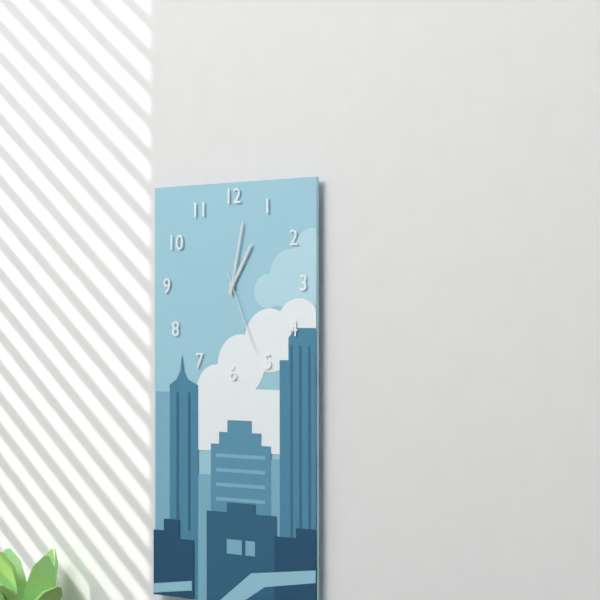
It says 1 h 02 min 26 s
